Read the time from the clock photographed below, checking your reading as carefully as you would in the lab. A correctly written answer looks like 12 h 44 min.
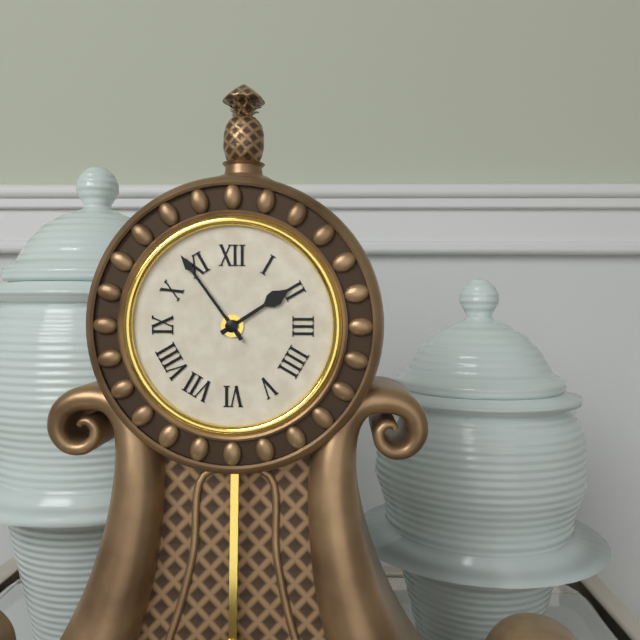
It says 1 h 54 min
